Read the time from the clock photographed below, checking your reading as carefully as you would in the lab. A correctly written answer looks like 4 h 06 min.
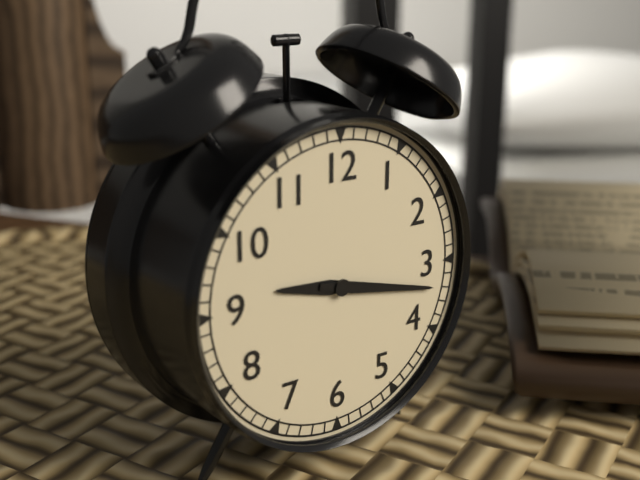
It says 9 h 17 min
